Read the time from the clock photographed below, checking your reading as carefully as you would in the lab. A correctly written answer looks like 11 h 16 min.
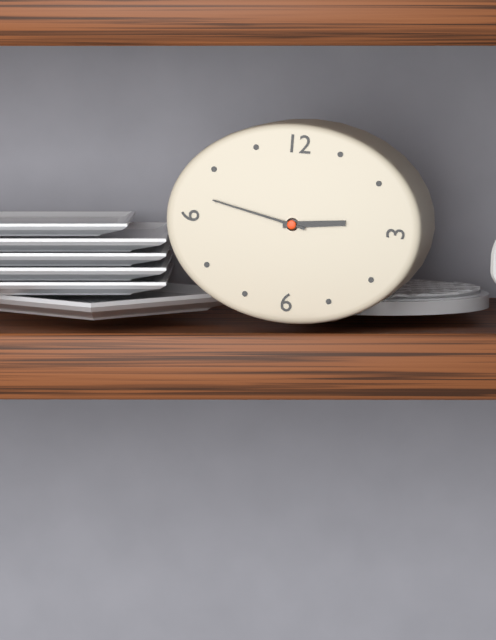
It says 2 h 47 min
